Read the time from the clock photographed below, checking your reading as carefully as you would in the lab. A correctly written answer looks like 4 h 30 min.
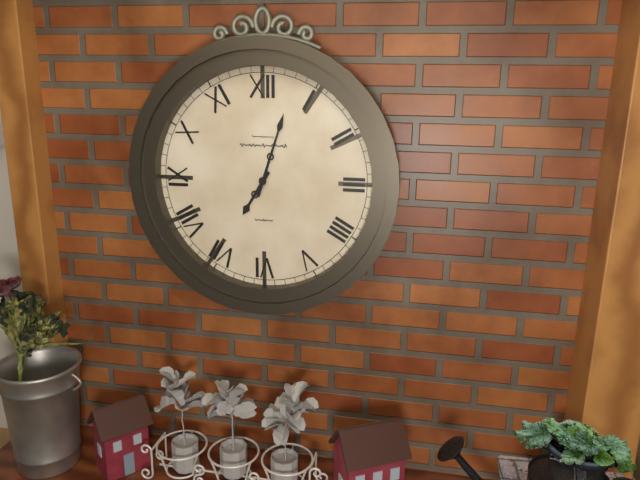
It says 7 h 03 min
